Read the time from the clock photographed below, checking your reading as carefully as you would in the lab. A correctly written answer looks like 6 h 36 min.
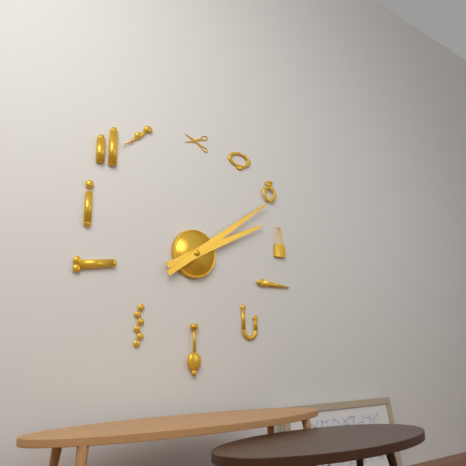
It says 2 h 09 min
